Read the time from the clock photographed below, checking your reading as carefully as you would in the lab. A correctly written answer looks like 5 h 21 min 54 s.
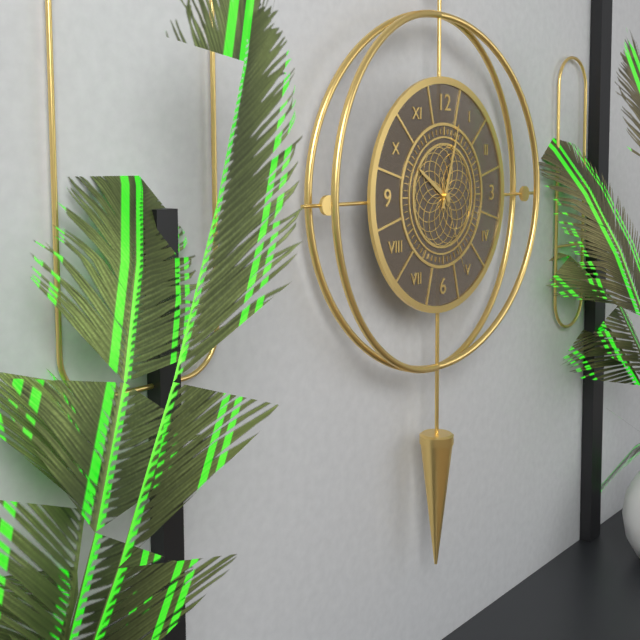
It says 10 h 03 min 26 s
